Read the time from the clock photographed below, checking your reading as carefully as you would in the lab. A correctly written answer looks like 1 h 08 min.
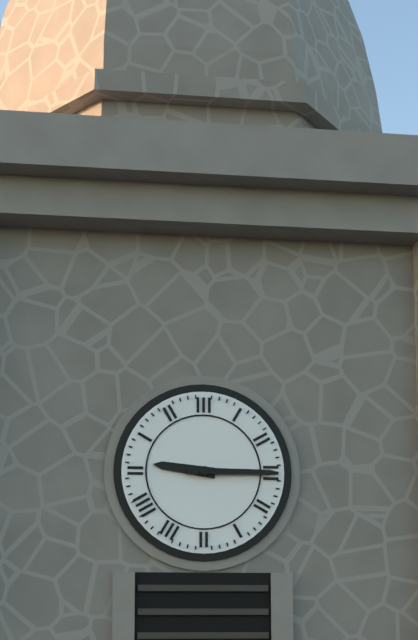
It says 9 h 15 min
